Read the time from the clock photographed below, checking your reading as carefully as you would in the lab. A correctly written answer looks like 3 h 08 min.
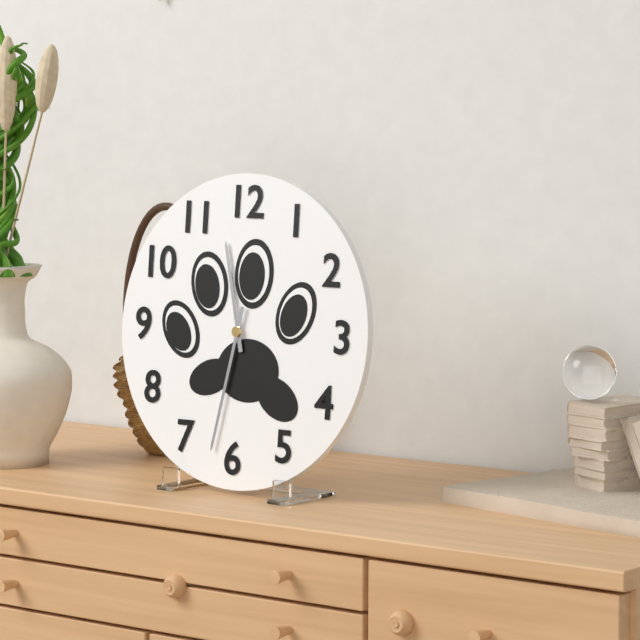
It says 11 h 32 min
